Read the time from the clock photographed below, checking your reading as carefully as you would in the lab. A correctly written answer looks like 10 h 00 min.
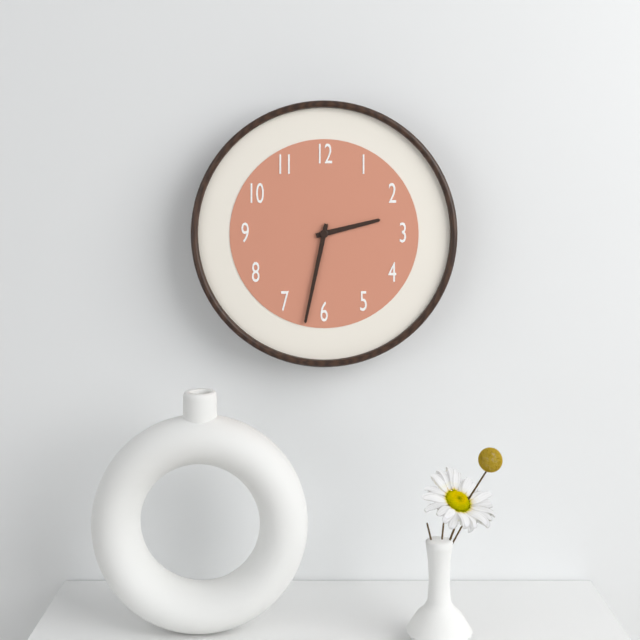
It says 2 h 32 min
